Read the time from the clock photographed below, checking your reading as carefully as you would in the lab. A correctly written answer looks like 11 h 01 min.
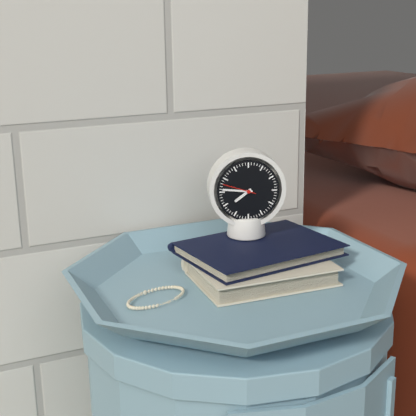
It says 7 h 46 min
